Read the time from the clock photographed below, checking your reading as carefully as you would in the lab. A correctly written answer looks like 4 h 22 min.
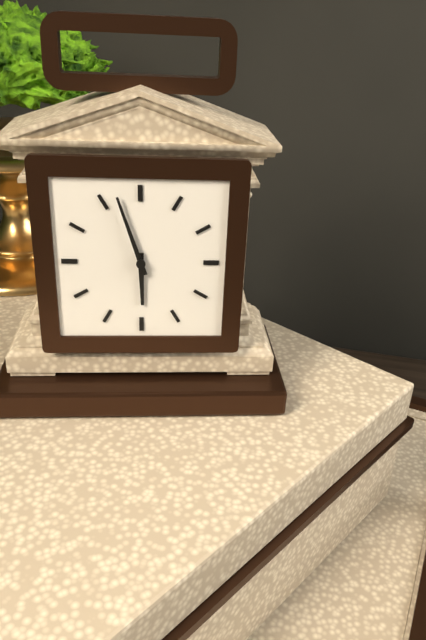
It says 5 h 57 min
